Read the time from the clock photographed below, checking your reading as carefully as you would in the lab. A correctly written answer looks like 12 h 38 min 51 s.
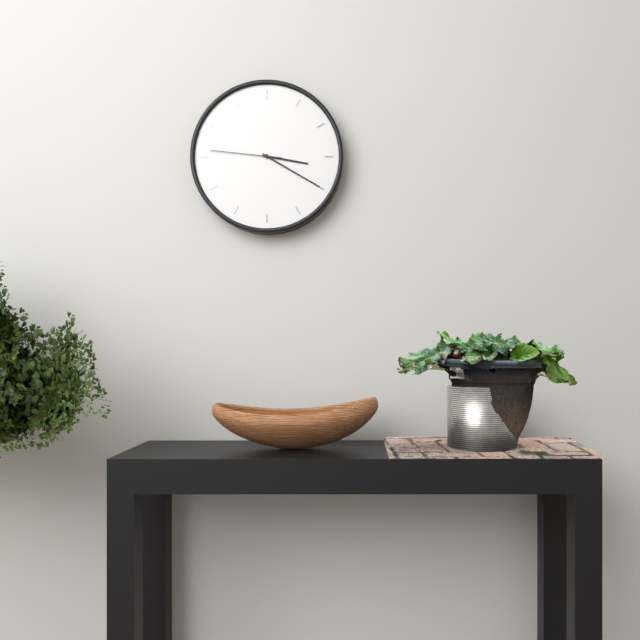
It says 3 h 20 min 46 s
